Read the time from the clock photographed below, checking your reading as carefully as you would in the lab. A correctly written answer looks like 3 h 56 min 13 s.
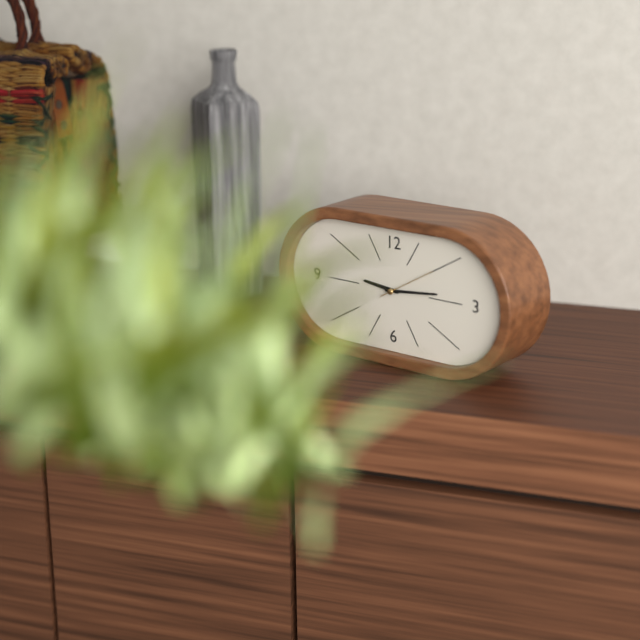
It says 9 h 14 min 10 s
